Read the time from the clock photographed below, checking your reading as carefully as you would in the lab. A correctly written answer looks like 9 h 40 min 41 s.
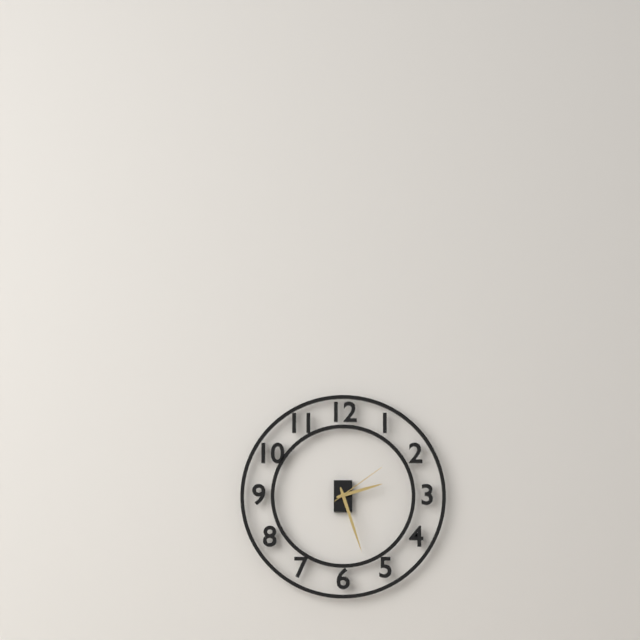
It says 2 h 27 min 09 s
